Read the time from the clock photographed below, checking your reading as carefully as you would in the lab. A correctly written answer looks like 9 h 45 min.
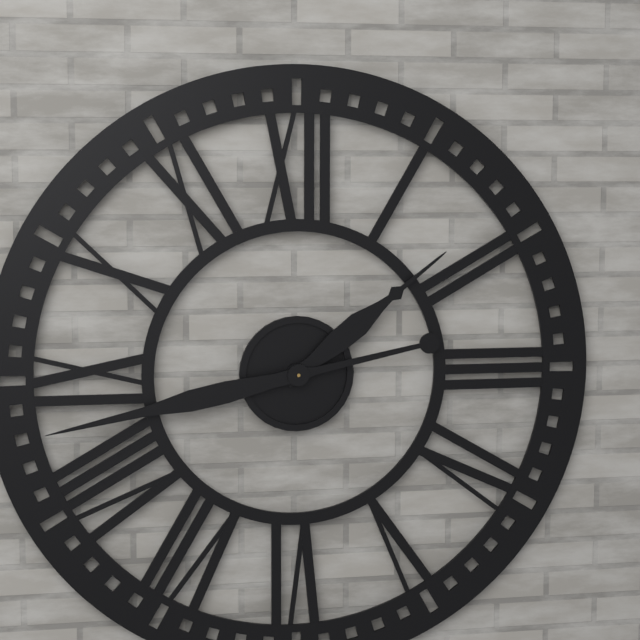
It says 1 h 43 min
